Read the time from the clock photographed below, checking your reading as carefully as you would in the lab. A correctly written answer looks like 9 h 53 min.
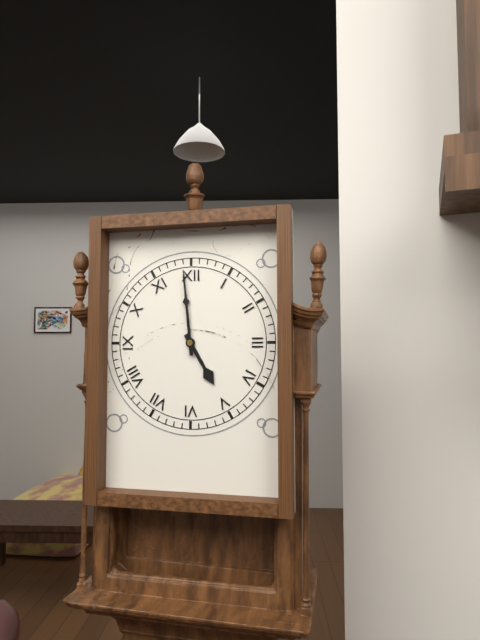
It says 4 h 59 min
